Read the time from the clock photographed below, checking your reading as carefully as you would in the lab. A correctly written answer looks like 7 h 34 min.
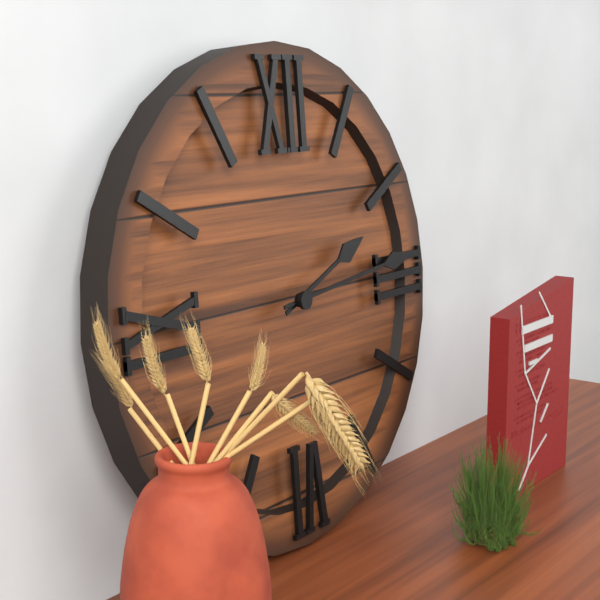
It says 2 h 14 min
